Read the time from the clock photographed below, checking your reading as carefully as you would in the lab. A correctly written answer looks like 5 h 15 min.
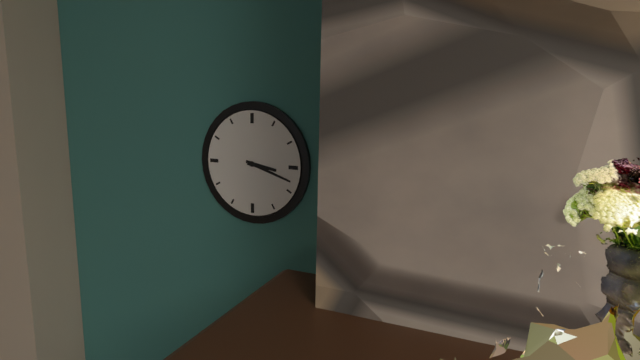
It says 3 h 18 min
